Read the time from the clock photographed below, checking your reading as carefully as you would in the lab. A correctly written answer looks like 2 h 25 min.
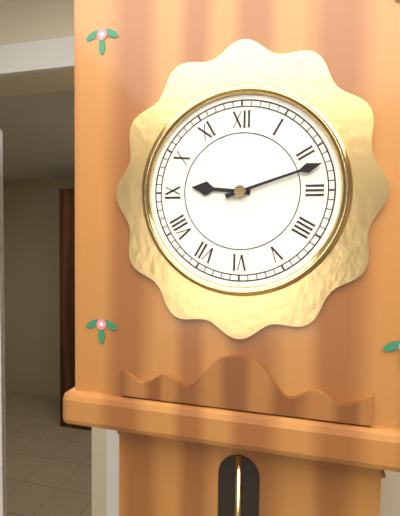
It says 9 h 12 min
